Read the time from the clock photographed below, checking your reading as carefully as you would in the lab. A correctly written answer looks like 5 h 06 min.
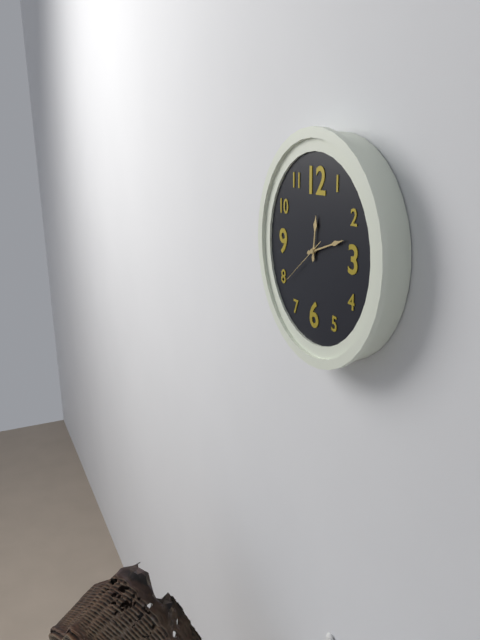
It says 12 h 12 min
